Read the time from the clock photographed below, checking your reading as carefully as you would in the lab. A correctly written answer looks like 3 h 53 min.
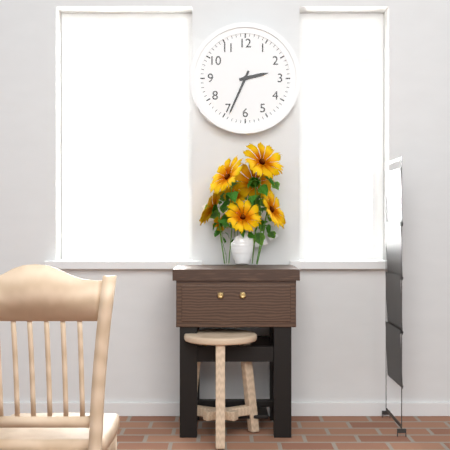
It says 2 h 34 min
